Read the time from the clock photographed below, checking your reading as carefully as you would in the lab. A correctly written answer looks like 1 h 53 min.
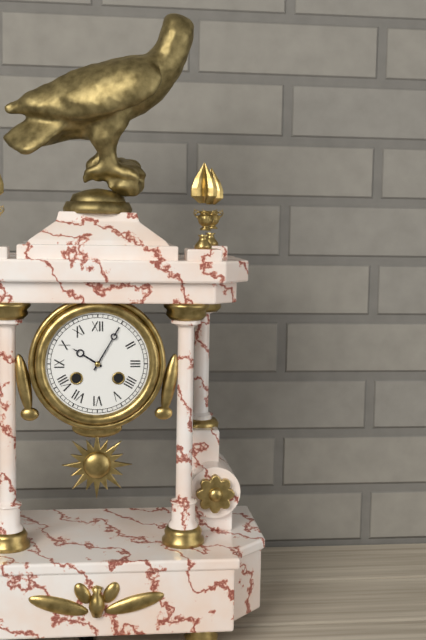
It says 10 h 05 min
